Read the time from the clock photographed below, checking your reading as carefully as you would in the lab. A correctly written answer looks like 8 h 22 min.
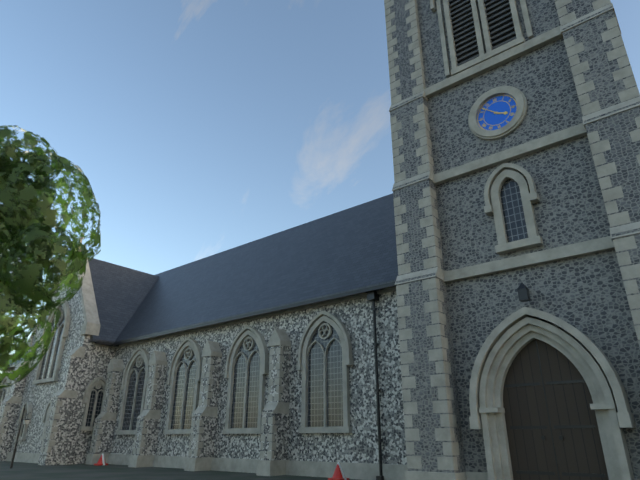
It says 3 h 52 min
